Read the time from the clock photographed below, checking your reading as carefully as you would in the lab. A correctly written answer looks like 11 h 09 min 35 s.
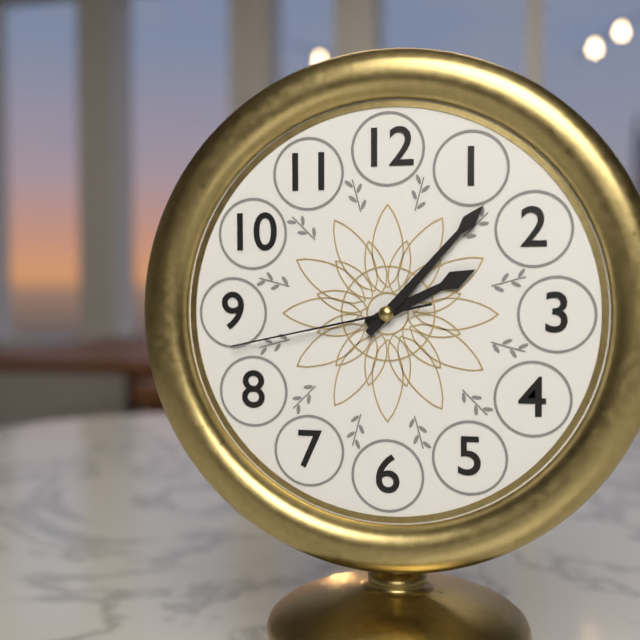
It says 2 h 07 min 43 s
